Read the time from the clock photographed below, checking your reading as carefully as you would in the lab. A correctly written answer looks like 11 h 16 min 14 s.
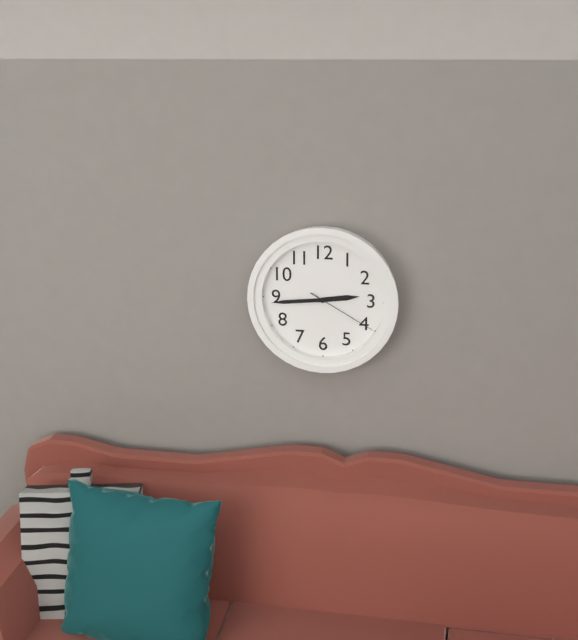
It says 2 h 44 min 20 s
